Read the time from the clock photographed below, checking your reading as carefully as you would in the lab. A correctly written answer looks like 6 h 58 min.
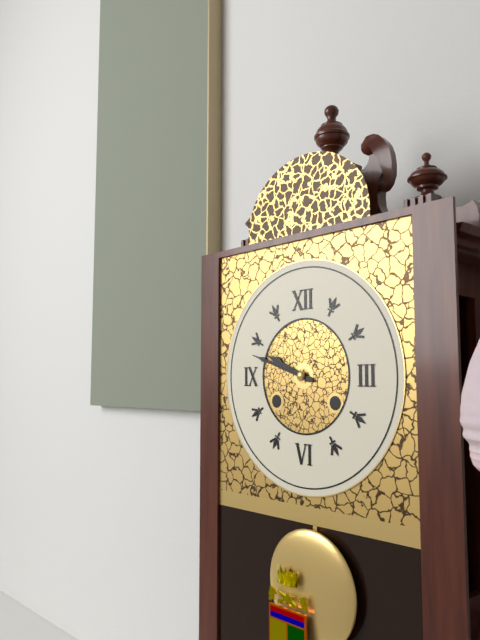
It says 9 h 48 min
